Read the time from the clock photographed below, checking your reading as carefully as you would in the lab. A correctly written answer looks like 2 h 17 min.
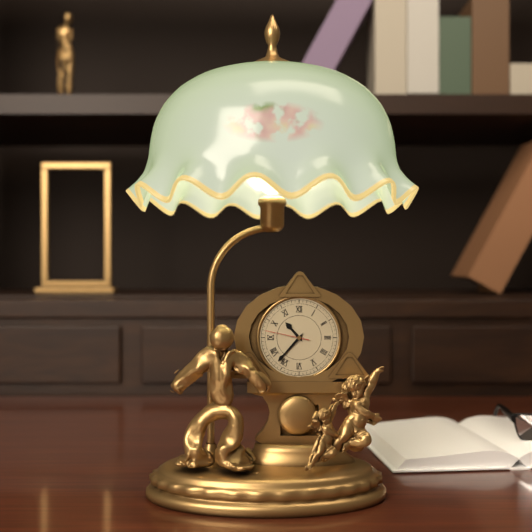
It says 10 h 37 min
